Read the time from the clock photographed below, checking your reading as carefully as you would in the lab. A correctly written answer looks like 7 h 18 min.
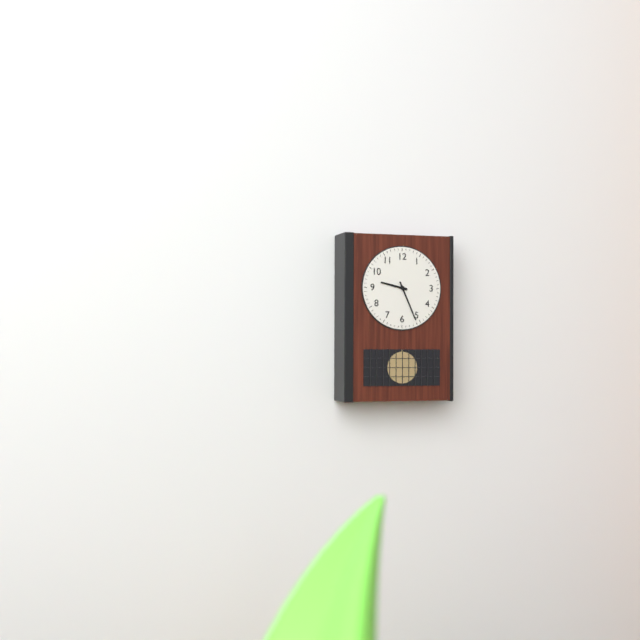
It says 9 h 26 min
